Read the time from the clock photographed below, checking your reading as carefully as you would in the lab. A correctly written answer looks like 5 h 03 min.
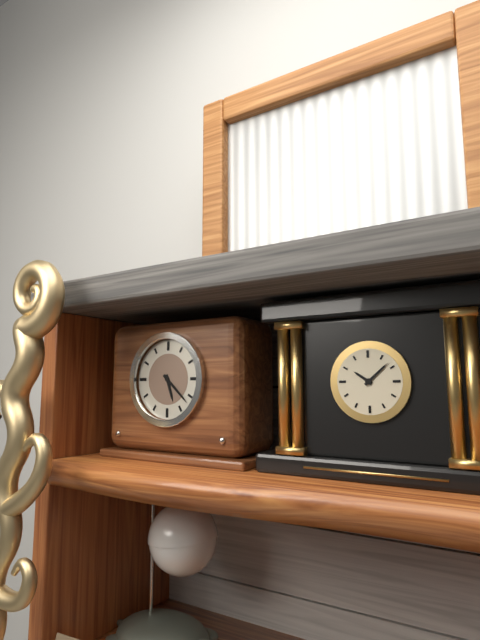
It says 5 h 22 min
